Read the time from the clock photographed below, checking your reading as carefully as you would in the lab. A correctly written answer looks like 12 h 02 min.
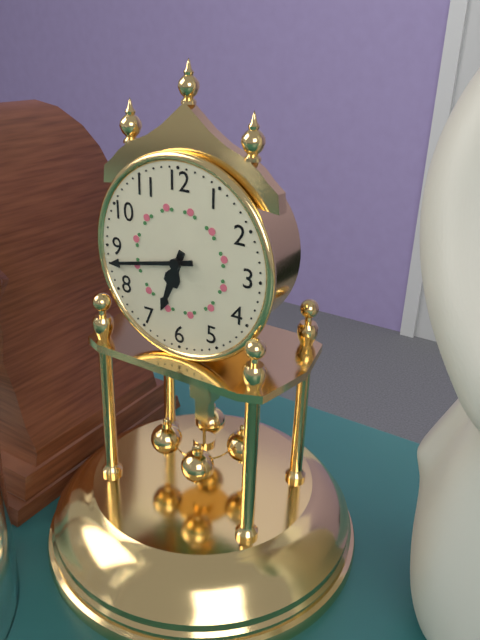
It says 6 h 43 min
